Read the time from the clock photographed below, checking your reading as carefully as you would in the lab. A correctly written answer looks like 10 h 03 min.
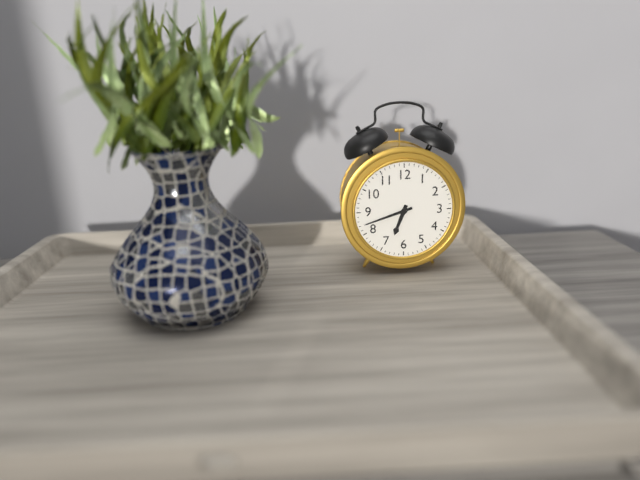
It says 6 h 42 min
